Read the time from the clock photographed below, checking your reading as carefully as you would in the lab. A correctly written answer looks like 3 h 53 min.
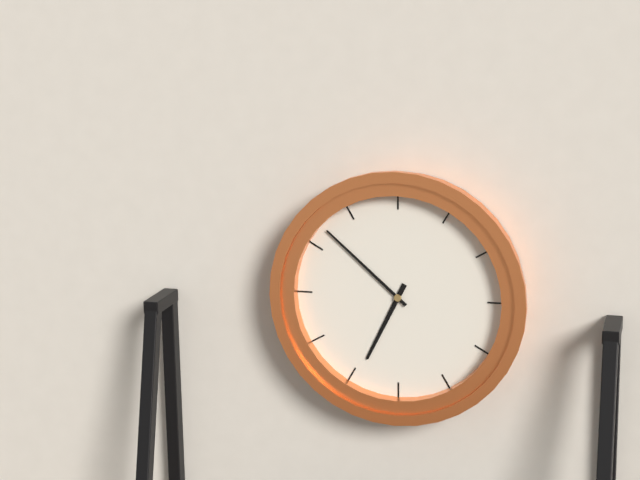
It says 6 h 52 min
